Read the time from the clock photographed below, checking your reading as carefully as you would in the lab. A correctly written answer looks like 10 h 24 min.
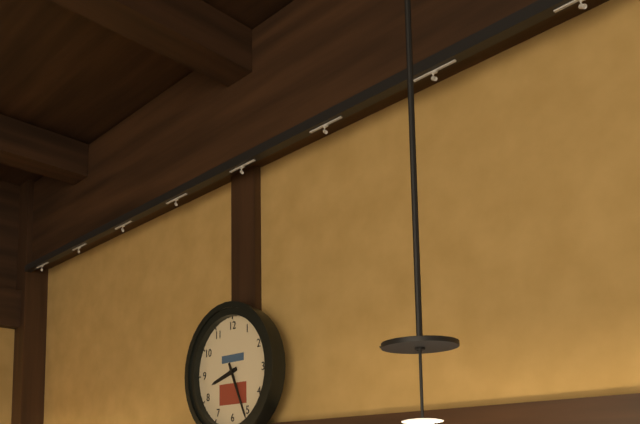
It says 8 h 26 min
